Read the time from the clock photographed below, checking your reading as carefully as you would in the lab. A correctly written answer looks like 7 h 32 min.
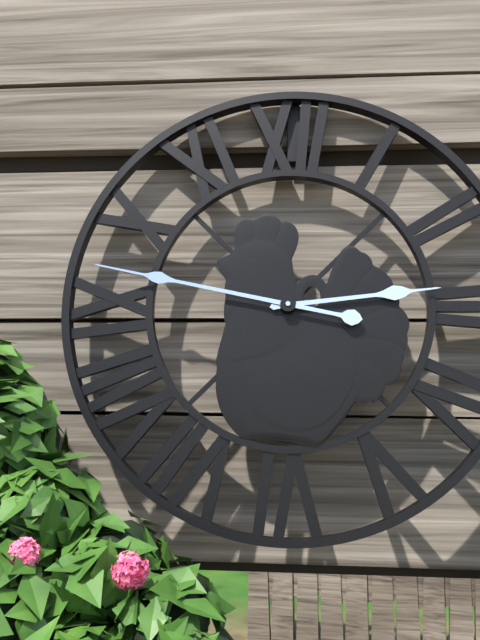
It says 2 h 47 min
